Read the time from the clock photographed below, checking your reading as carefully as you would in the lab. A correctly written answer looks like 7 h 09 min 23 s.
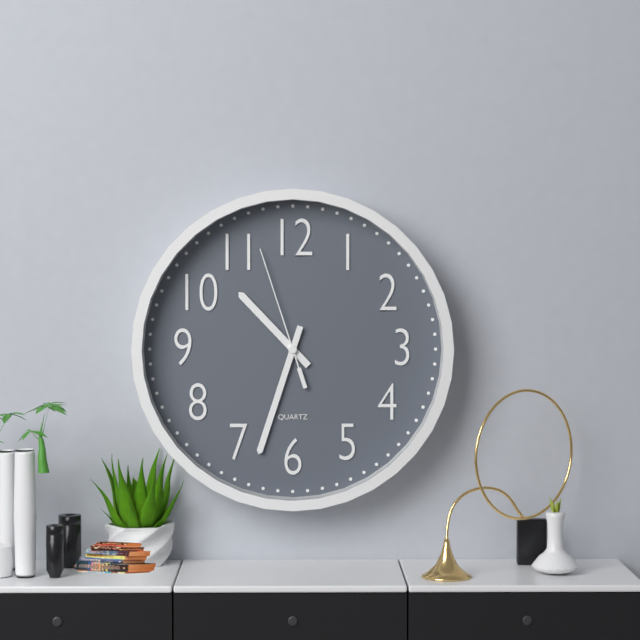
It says 10 h 33 min 57 s
